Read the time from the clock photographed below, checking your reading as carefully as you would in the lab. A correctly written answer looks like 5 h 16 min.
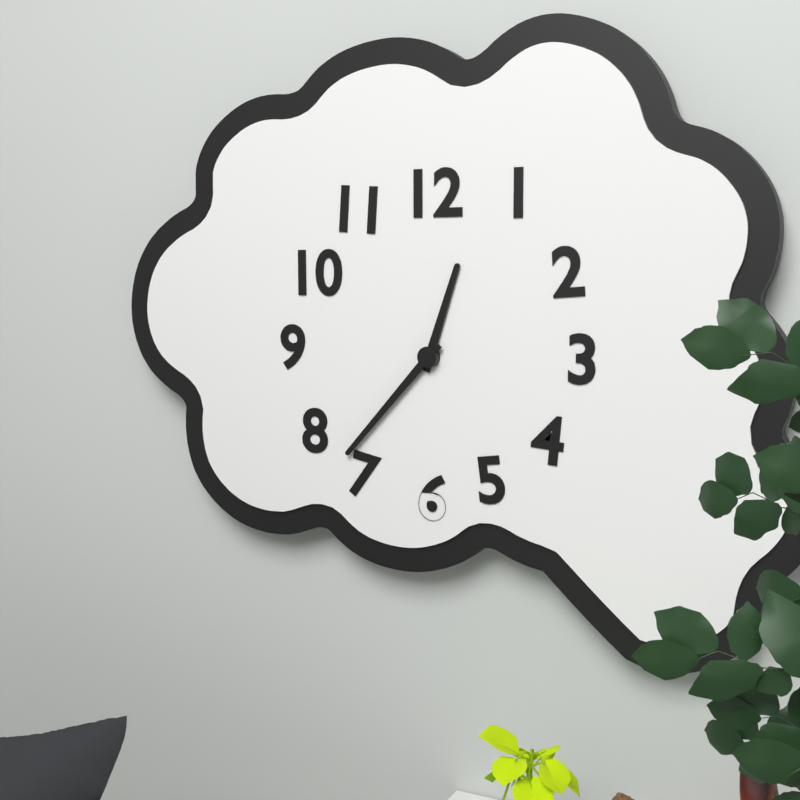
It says 12 h 37 min
